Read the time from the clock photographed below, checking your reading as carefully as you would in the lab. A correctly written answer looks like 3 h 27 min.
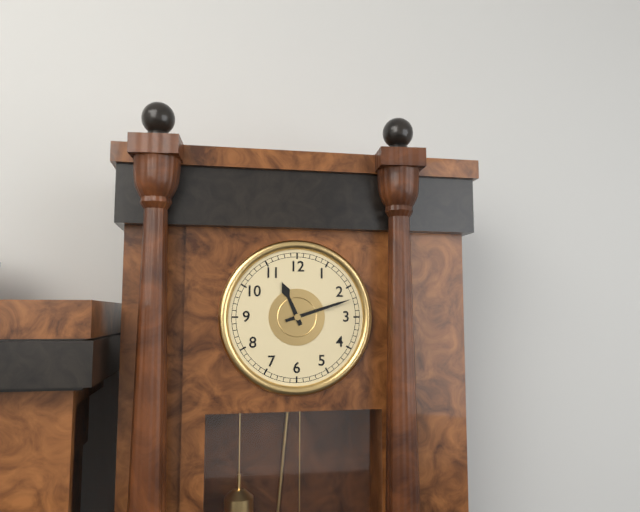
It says 11 h 12 min
